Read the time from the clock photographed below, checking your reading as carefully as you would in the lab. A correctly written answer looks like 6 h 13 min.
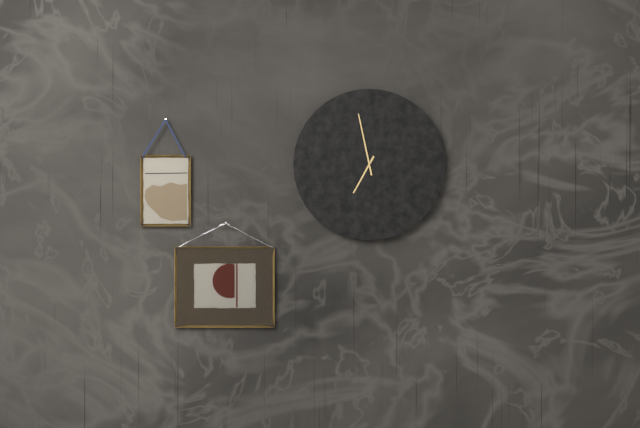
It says 6 h 58 min
